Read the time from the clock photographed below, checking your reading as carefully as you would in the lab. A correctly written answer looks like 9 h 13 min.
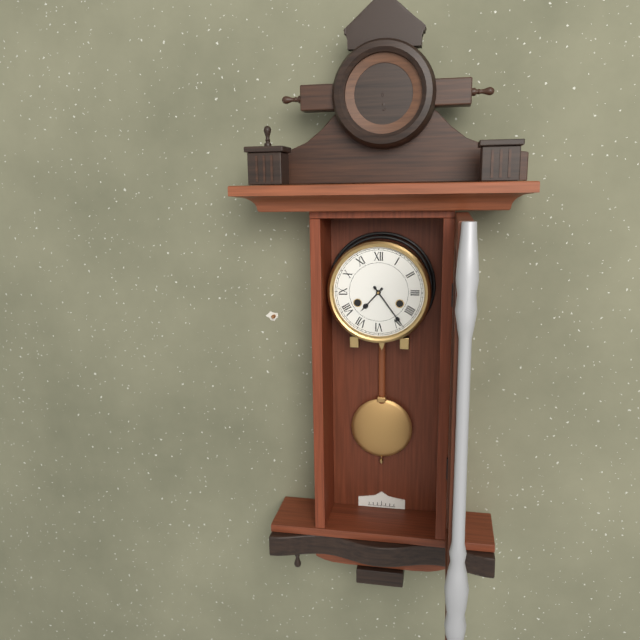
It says 7 h 24 min
